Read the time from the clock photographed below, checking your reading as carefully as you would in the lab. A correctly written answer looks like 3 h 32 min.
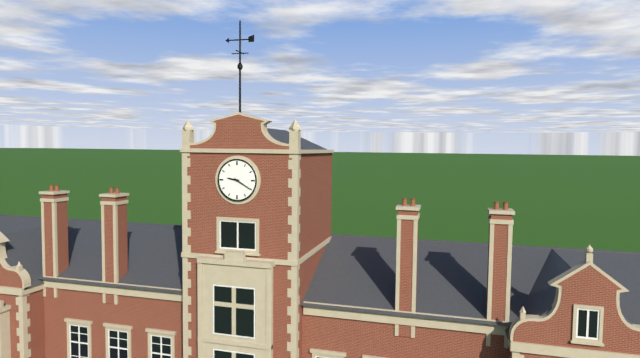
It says 9 h 20 min
